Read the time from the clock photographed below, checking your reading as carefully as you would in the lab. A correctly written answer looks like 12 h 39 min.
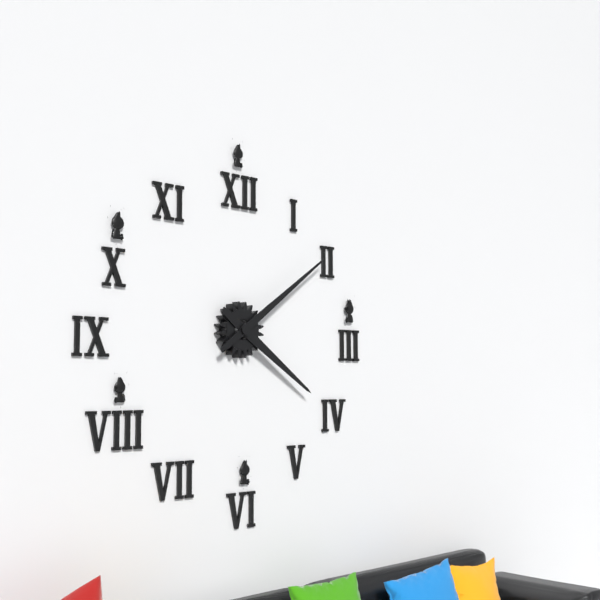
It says 4 h 09 min
